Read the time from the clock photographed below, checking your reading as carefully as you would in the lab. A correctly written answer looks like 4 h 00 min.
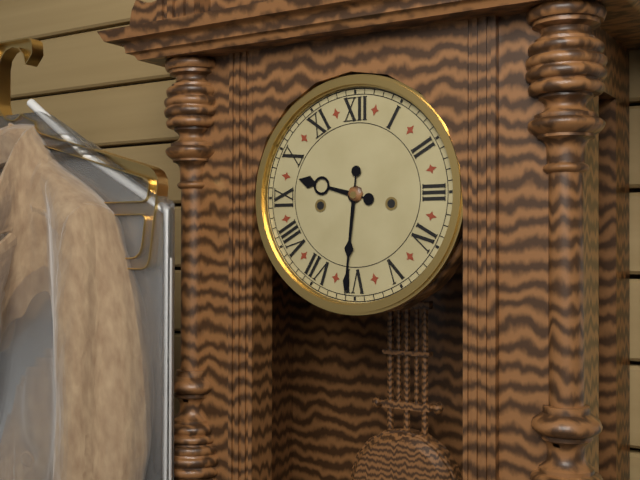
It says 9 h 31 min
